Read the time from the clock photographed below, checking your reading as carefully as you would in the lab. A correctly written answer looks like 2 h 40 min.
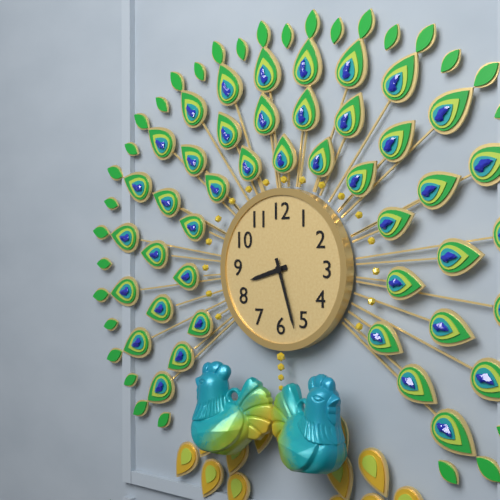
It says 8 h 27 min
